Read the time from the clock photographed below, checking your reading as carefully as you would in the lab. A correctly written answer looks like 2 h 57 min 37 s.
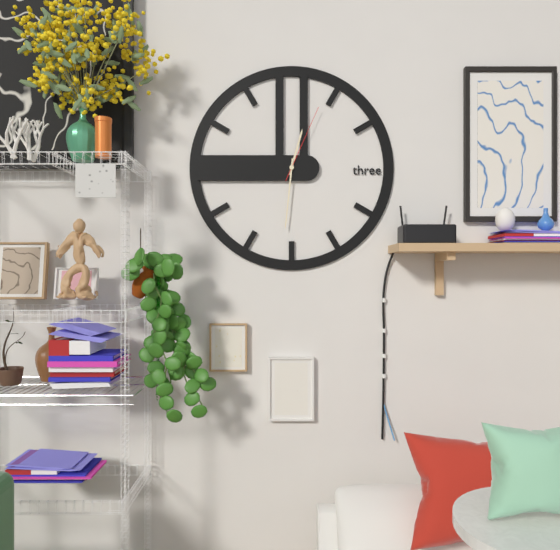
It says 12 h 31 min 04 s
